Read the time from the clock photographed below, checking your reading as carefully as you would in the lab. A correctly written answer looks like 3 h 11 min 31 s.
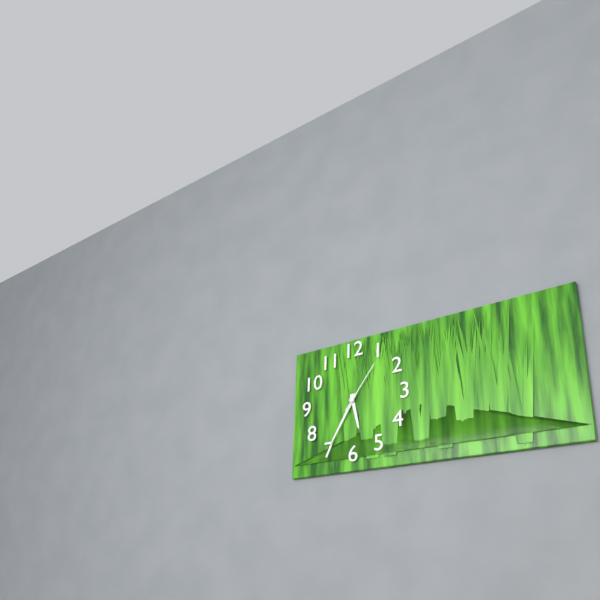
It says 5 h 35 min 06 s
